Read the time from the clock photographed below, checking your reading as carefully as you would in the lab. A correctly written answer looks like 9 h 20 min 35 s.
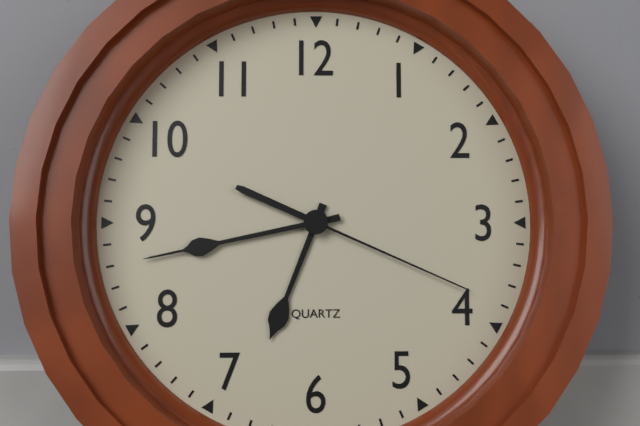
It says 6 h 43 min 19 s
